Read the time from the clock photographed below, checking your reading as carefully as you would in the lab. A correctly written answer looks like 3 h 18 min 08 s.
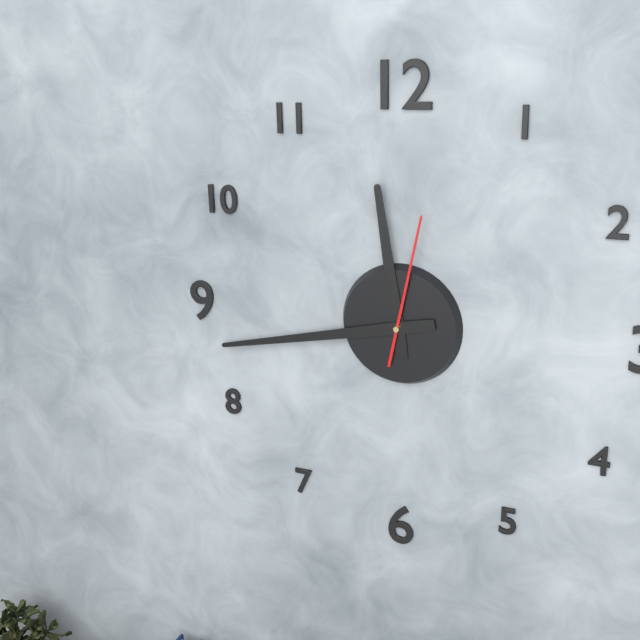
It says 11 h 43 min 02 s
